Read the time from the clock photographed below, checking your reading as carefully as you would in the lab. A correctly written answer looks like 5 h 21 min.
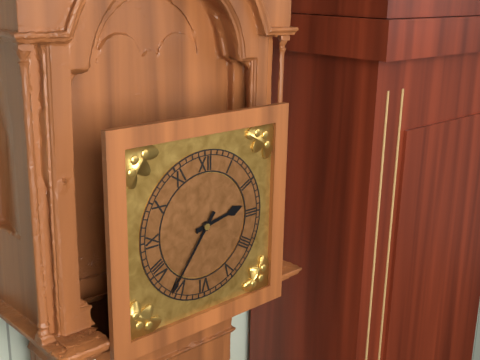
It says 2 h 36 min
